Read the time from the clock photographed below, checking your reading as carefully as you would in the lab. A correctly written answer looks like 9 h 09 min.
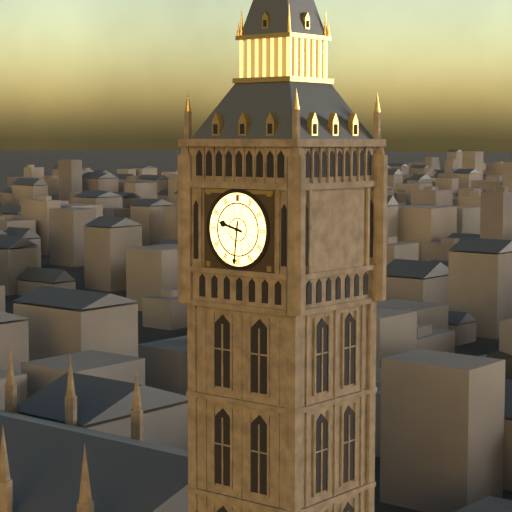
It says 9 h 31 min
